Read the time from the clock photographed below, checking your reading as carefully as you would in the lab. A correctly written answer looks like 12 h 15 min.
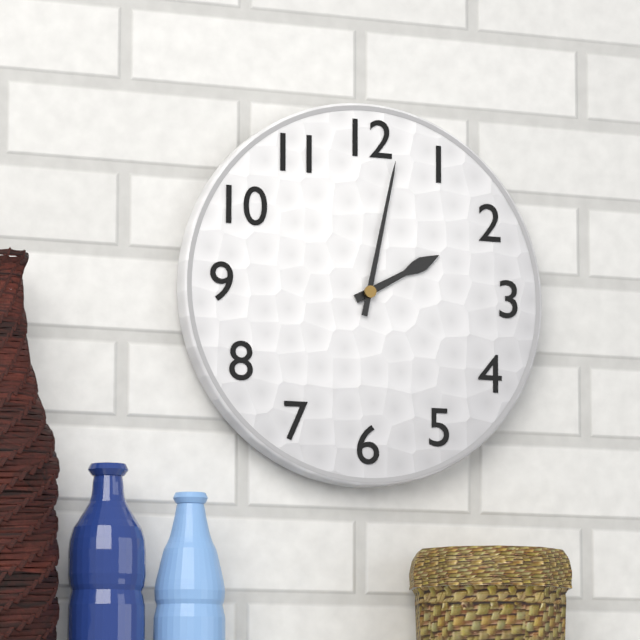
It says 2 h 02 min
